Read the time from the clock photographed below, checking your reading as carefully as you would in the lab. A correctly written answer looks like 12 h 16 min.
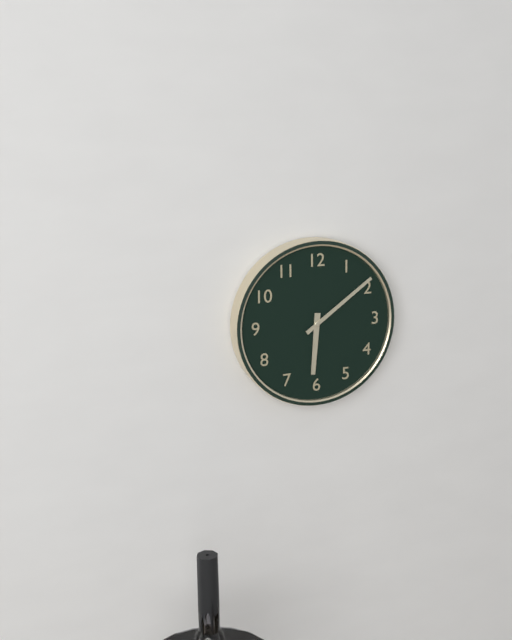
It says 6 h 09 min
